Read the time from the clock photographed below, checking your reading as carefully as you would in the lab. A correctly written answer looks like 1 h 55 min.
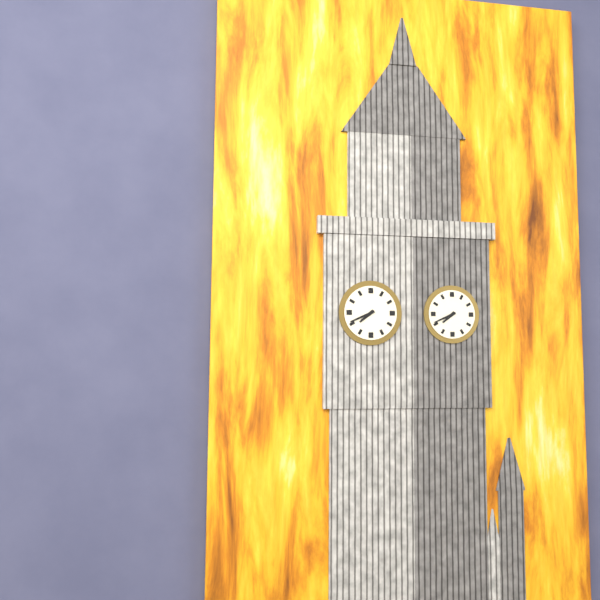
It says 7 h 41 min
